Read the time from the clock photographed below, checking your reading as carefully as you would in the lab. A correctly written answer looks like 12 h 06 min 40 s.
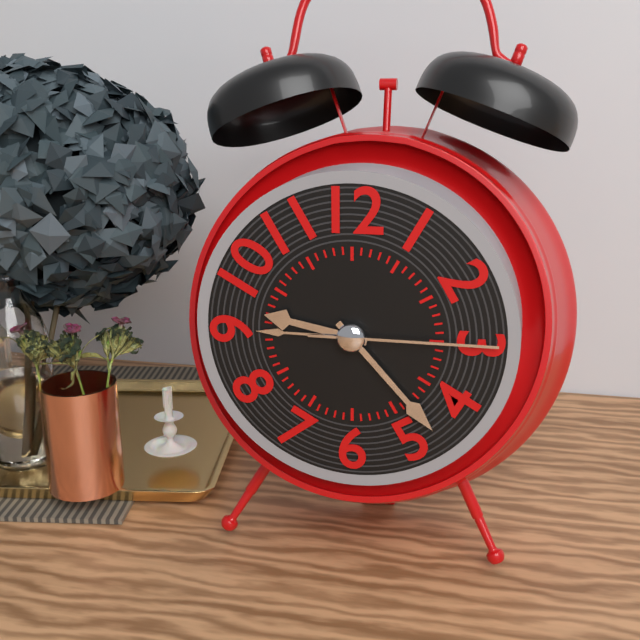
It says 9 h 23 min 15 s
